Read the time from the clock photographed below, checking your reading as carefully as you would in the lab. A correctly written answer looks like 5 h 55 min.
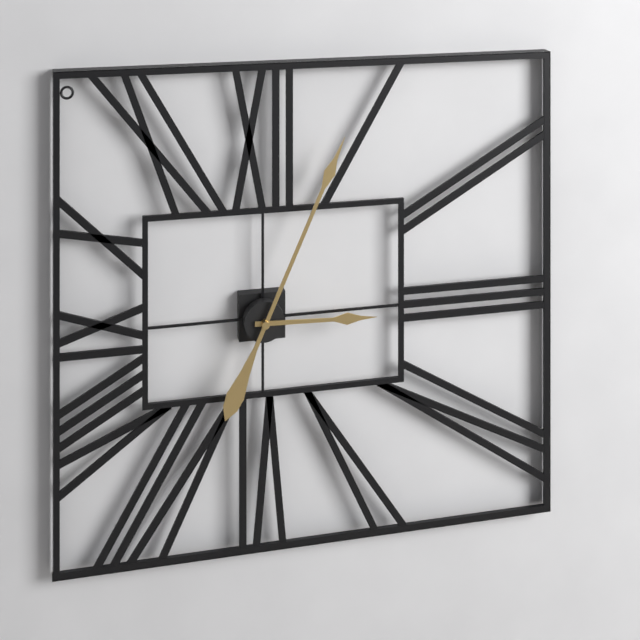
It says 3 h 04 min
